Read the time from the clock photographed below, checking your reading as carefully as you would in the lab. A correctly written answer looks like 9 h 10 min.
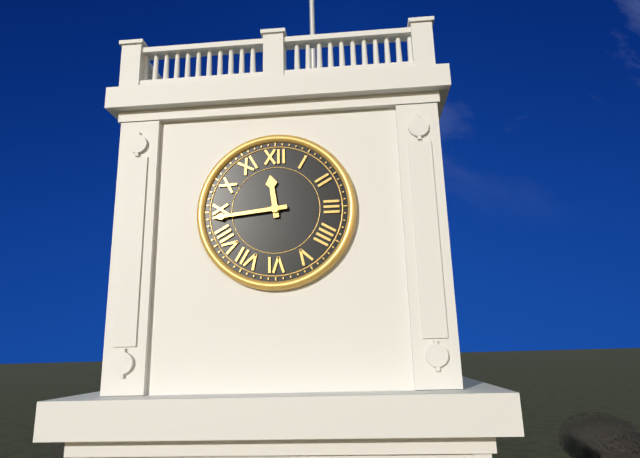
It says 11 h 44 min
